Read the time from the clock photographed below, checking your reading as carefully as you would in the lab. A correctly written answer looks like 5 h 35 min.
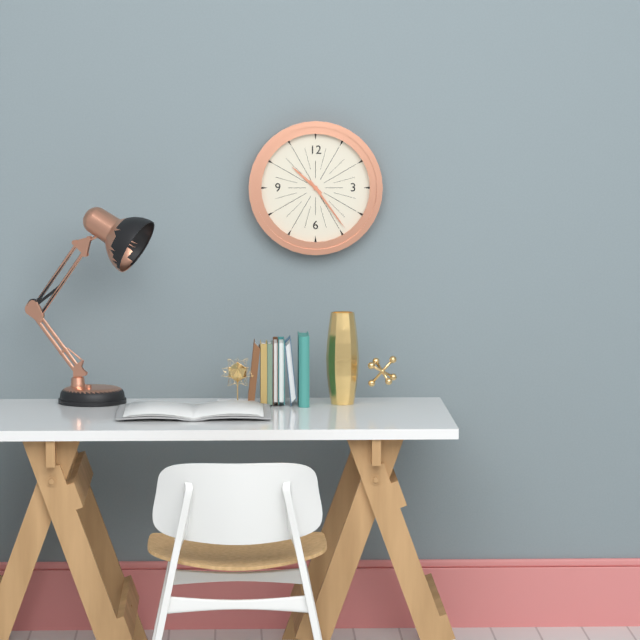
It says 10 h 24 min
